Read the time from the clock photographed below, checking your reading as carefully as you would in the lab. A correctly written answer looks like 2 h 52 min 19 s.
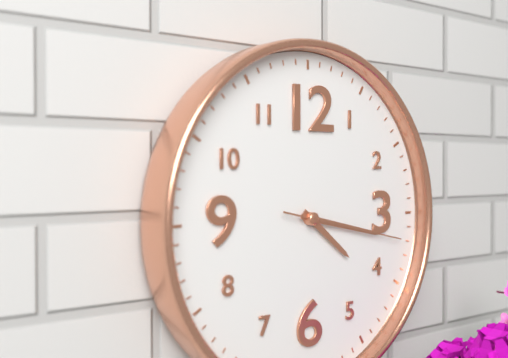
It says 4 h 17 min 17 s
